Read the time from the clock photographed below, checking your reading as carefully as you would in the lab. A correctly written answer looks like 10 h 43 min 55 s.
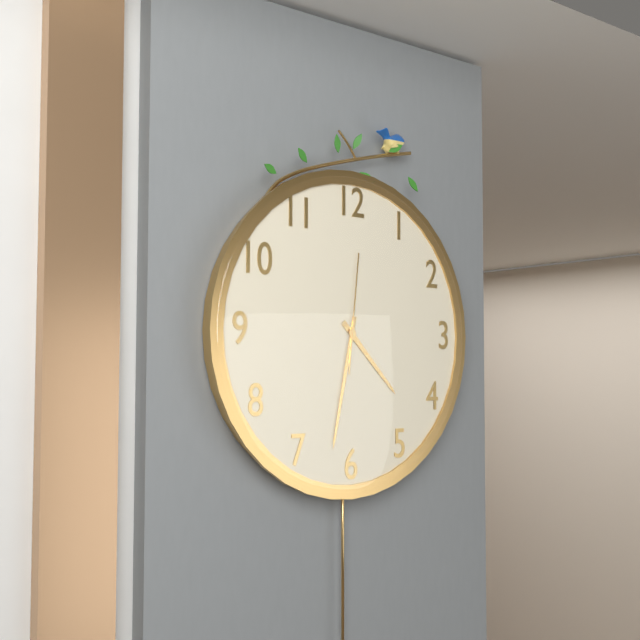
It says 4 h 32 min 01 s
